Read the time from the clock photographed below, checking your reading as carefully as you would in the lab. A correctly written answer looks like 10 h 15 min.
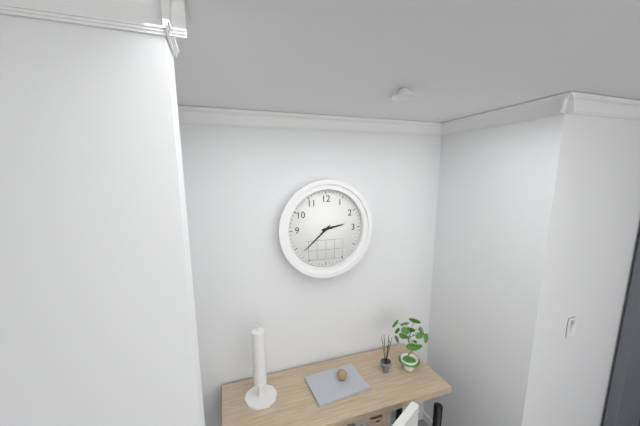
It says 2 h 38 min
